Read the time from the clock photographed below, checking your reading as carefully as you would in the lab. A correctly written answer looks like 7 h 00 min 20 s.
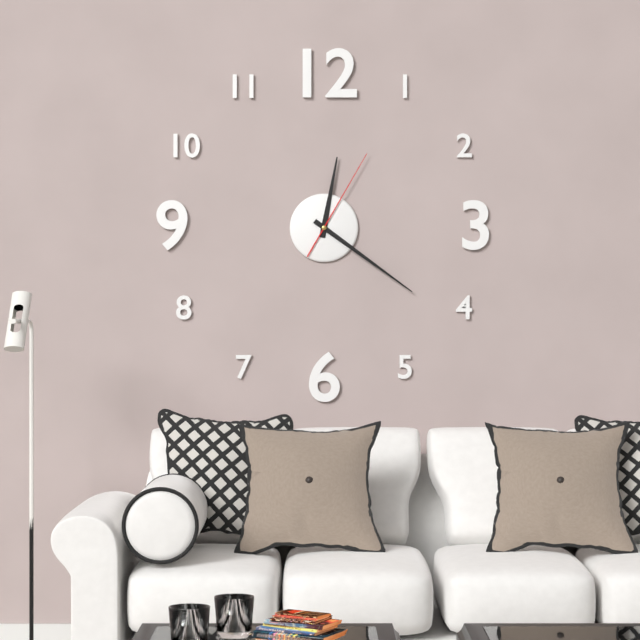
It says 12 h 21 min 05 s
